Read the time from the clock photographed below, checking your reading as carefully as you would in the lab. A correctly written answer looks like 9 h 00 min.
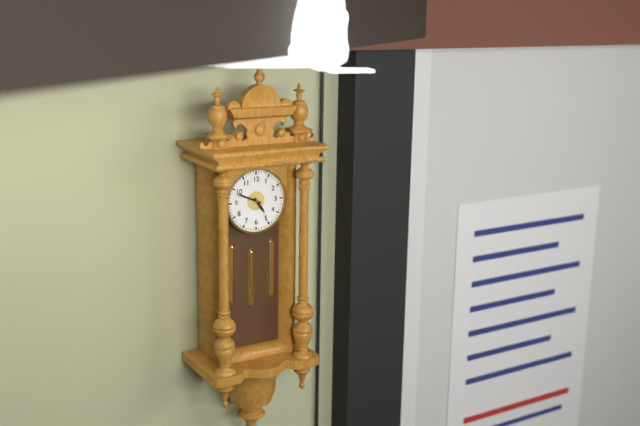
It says 4 h 49 min
